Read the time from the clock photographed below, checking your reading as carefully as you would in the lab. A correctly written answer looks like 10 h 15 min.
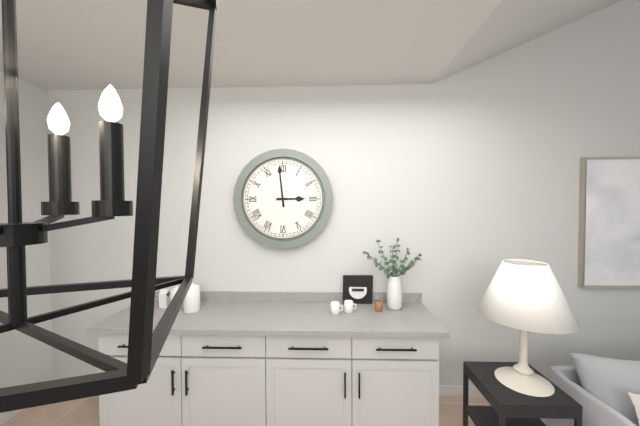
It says 2 h 59 min
